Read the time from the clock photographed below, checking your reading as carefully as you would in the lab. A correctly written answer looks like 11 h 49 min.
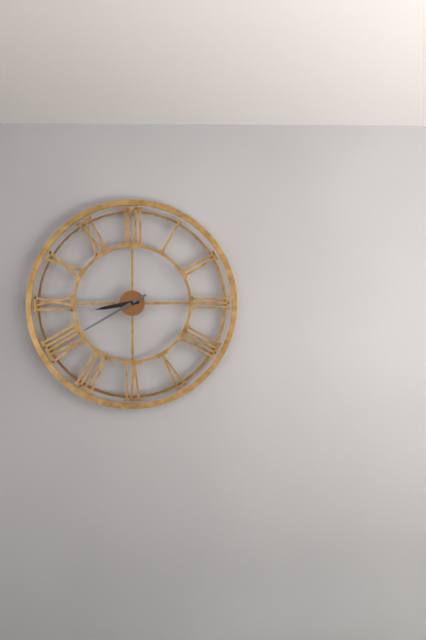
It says 8 h 40 min
